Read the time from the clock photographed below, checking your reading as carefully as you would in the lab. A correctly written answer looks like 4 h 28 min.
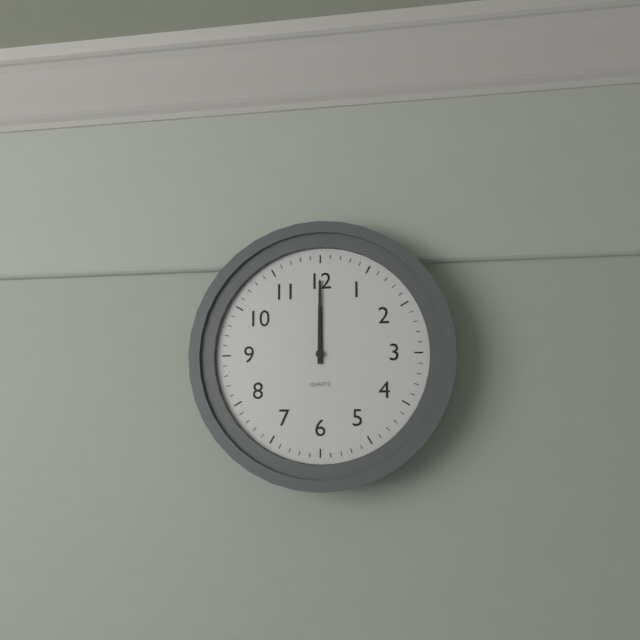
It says 12 h 00 min
